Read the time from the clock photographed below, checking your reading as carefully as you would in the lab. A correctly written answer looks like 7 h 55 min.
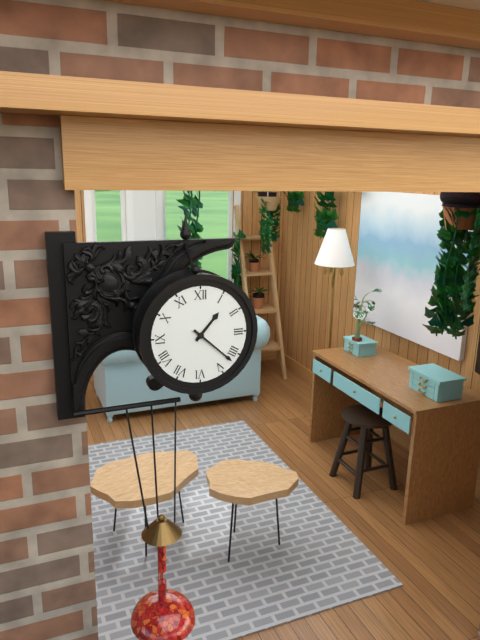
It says 1 h 22 min
